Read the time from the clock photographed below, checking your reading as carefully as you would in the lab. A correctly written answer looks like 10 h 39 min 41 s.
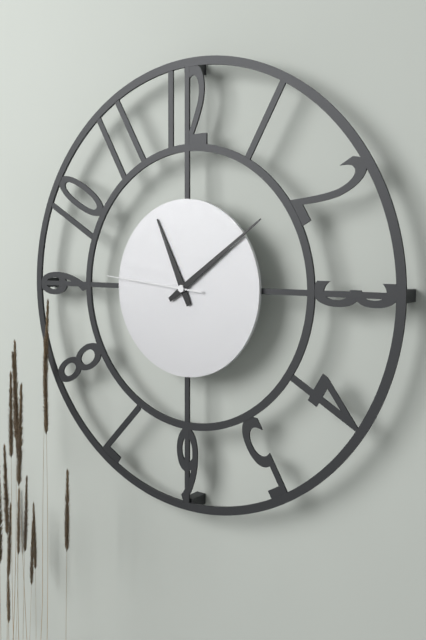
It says 11 h 09 min 46 s
